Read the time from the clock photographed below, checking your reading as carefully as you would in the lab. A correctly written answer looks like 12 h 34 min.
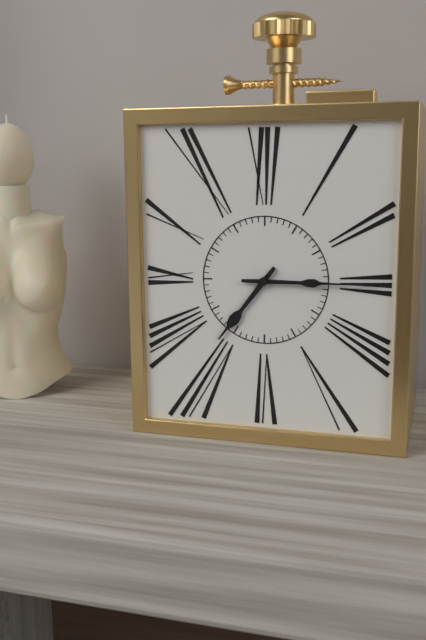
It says 7 h 15 min
